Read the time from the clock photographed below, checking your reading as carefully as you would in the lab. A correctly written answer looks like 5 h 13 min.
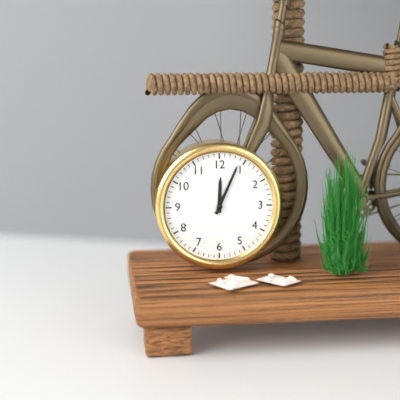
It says 12 h 04 min
